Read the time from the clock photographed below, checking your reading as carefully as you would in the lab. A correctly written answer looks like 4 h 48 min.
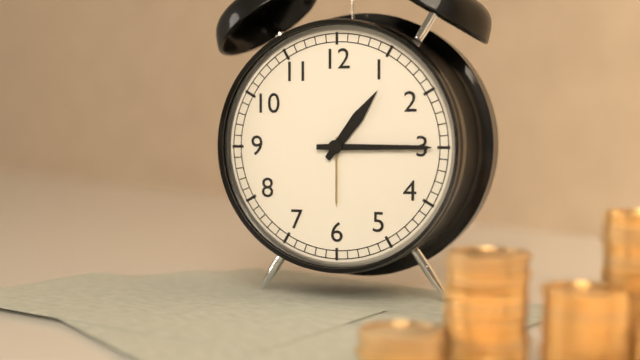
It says 1 h 15 min
